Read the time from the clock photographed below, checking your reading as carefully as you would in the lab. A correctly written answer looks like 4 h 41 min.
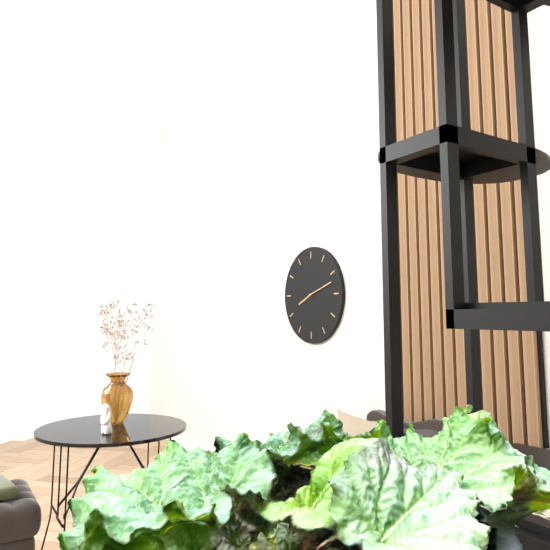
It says 8 h 12 min
